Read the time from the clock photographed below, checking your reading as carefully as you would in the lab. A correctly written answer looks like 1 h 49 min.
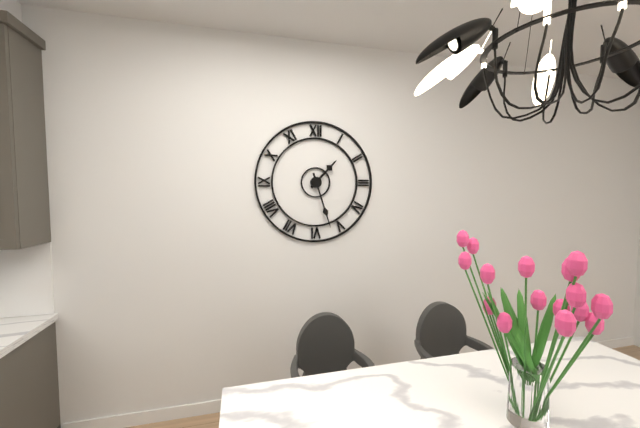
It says 1 h 27 min
